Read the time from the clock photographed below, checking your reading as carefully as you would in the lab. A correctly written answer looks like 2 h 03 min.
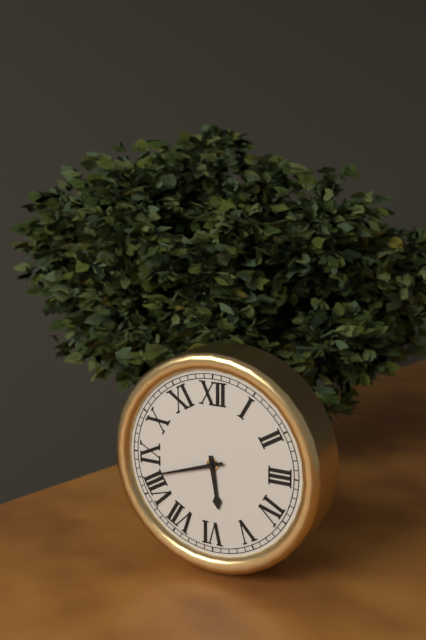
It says 5 h 42 min
